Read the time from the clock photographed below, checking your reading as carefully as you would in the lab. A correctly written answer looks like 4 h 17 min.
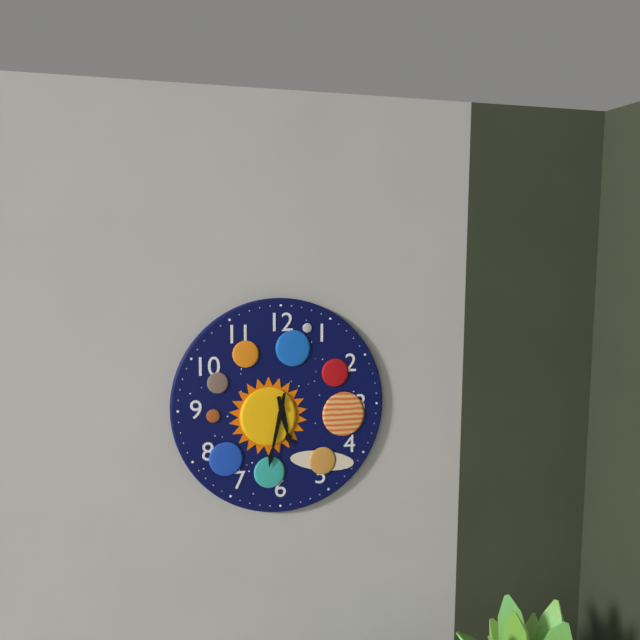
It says 5 h 32 min
